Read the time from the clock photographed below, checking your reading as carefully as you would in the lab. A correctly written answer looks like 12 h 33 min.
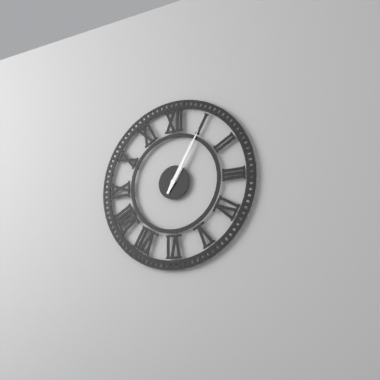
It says 1 h 05 min
